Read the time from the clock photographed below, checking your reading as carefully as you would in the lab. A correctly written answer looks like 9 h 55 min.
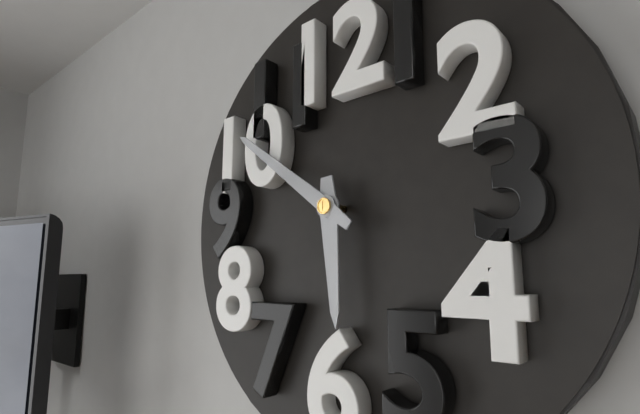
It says 5 h 51 min
